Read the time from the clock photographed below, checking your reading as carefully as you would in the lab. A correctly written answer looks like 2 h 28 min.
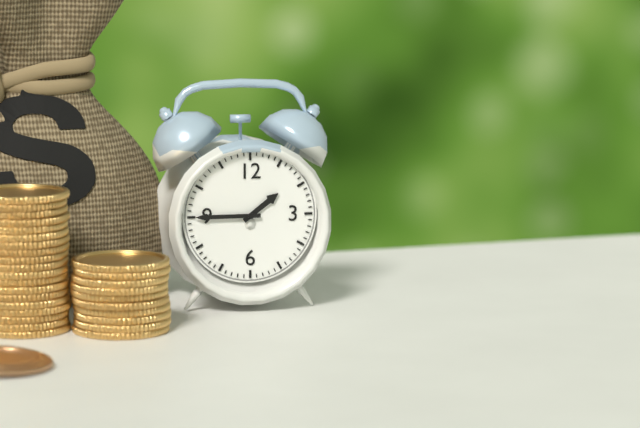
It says 1 h 45 min
